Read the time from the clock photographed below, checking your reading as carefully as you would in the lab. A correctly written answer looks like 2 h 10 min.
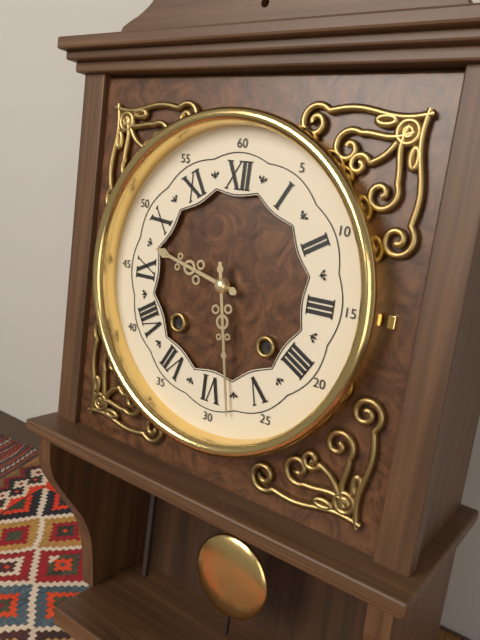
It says 9 h 28 min
